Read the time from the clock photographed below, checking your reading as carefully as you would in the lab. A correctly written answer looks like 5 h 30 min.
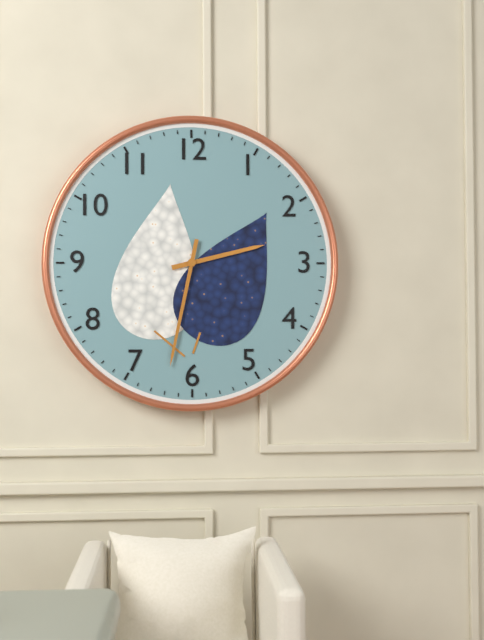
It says 2 h 32 min
